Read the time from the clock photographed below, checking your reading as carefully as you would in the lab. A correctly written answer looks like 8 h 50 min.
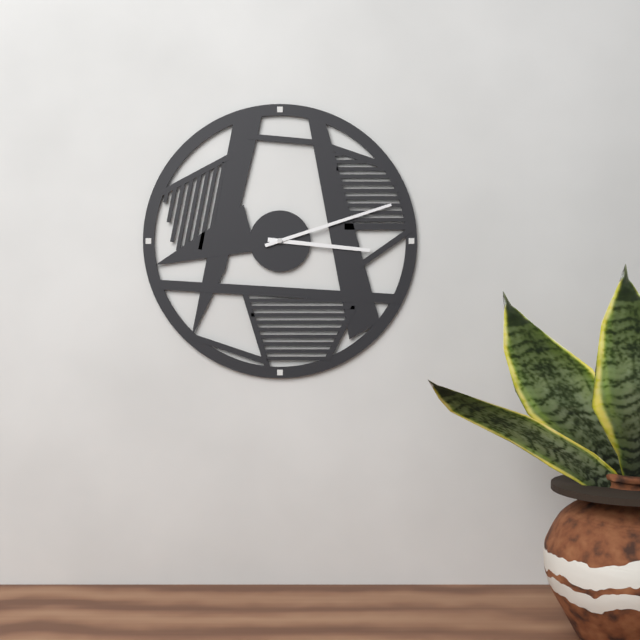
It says 3 h 12 min
